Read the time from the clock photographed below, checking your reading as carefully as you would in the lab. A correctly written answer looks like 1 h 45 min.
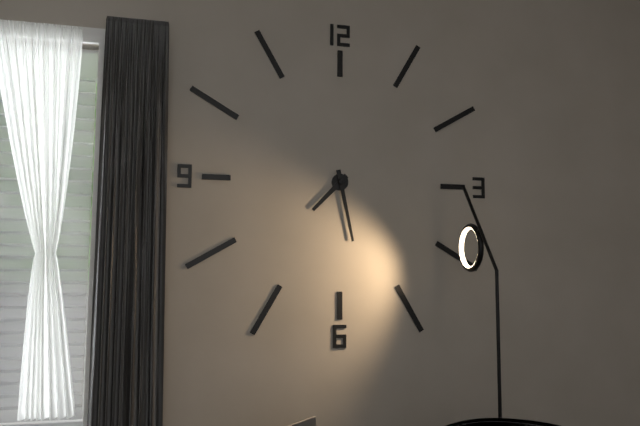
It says 7 h 28 min
